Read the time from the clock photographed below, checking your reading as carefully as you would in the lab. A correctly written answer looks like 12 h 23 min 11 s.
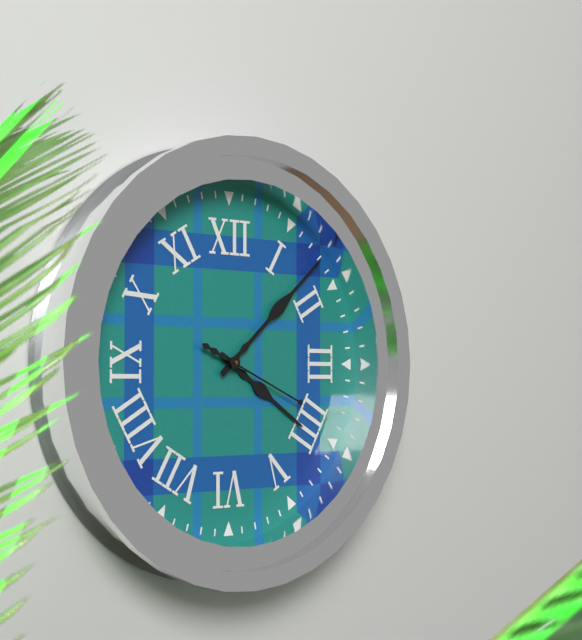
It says 4 h 08 min 19 s
